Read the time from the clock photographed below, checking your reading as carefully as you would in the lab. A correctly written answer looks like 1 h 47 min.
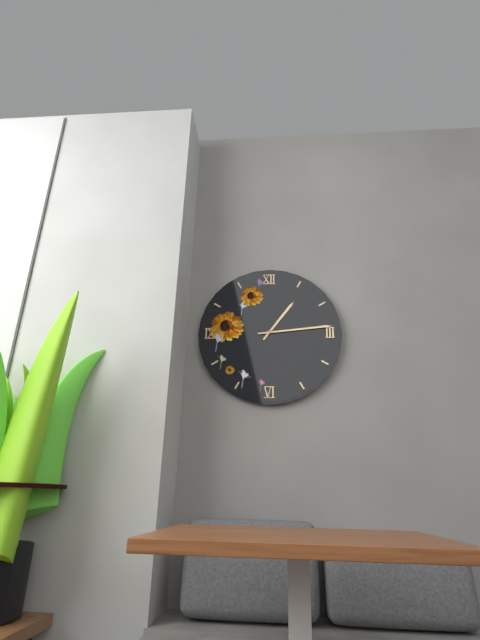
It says 1 h 14 min
